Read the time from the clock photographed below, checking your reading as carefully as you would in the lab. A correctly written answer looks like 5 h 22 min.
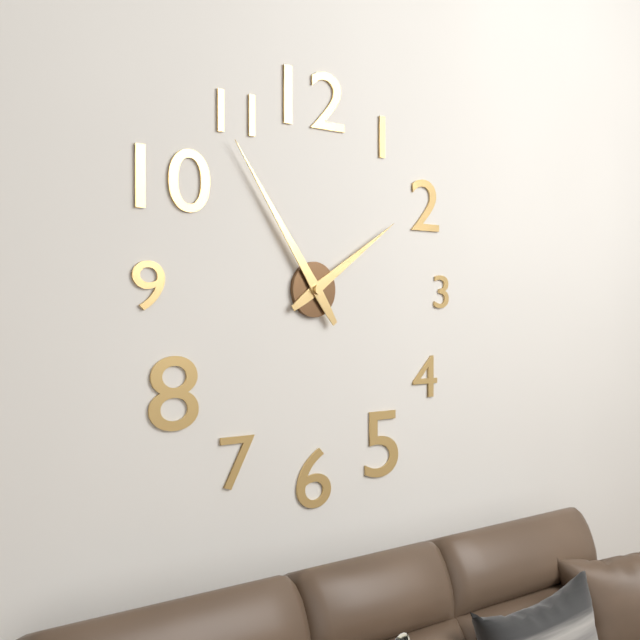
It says 1 h 54 min
